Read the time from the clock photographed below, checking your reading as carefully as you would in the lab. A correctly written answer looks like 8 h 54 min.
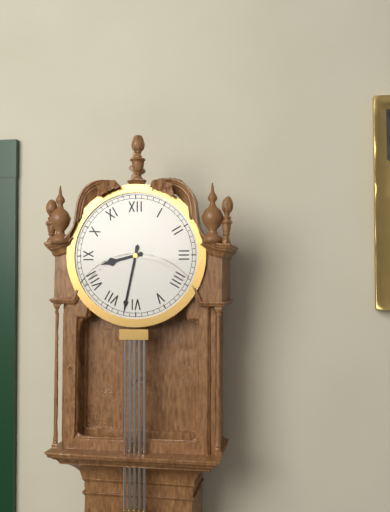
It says 8 h 32 min
